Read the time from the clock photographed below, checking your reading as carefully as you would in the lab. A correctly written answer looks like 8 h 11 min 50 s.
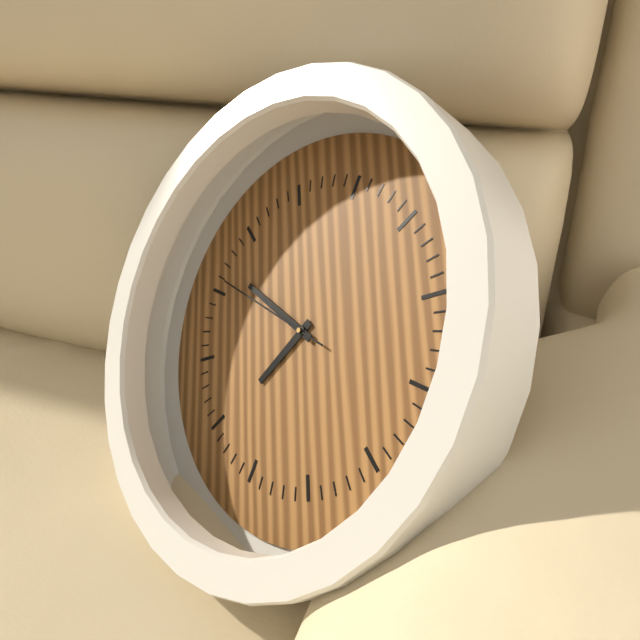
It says 7 h 52 min 51 s
